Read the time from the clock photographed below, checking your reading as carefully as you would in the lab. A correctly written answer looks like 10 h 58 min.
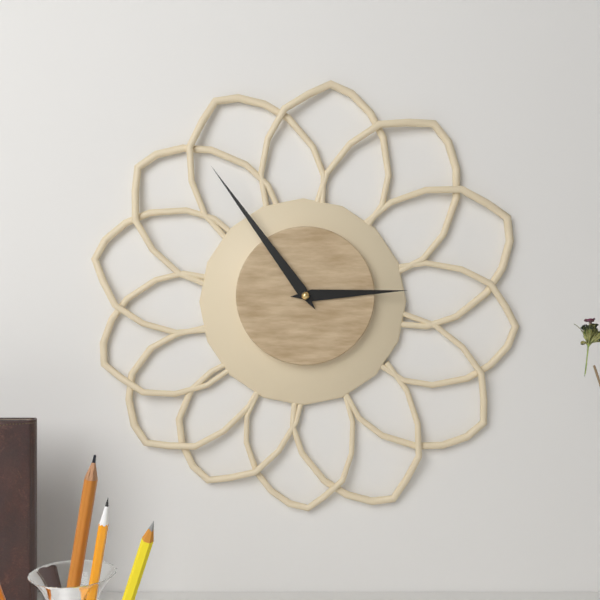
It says 2 h 54 min
